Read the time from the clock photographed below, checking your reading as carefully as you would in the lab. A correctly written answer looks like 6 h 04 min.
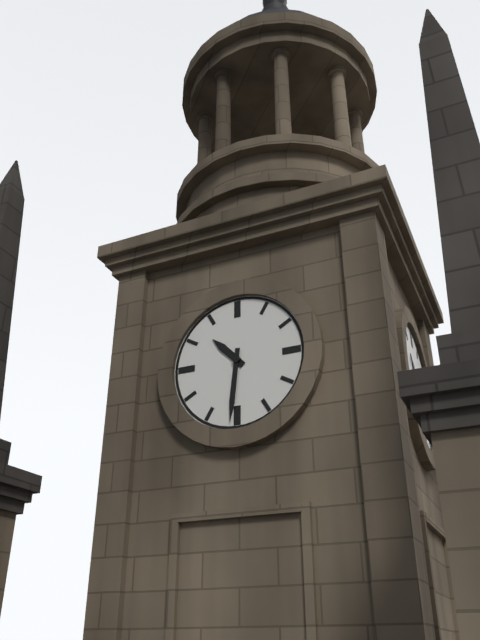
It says 10 h 31 min
